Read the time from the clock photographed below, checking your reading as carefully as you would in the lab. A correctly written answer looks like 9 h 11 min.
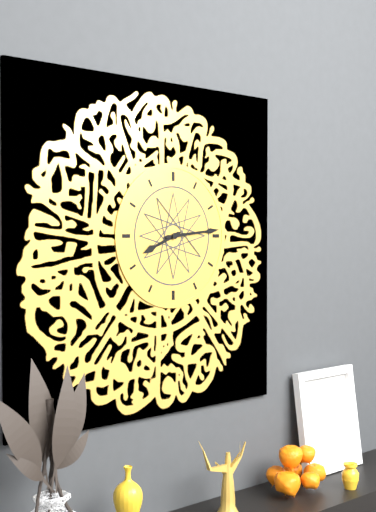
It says 8 h 14 min
